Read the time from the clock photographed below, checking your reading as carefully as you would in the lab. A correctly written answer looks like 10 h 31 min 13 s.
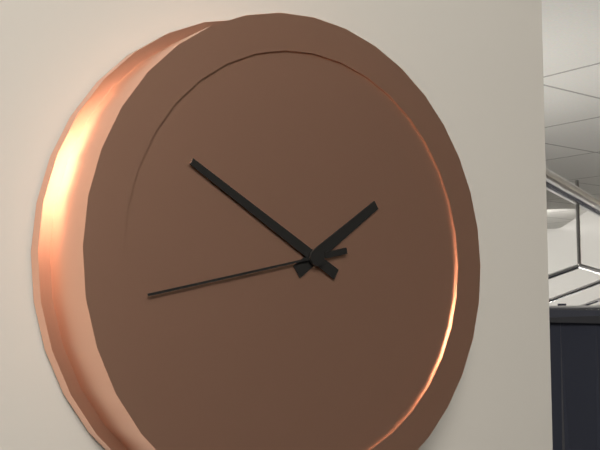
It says 1 h 50 min 43 s
